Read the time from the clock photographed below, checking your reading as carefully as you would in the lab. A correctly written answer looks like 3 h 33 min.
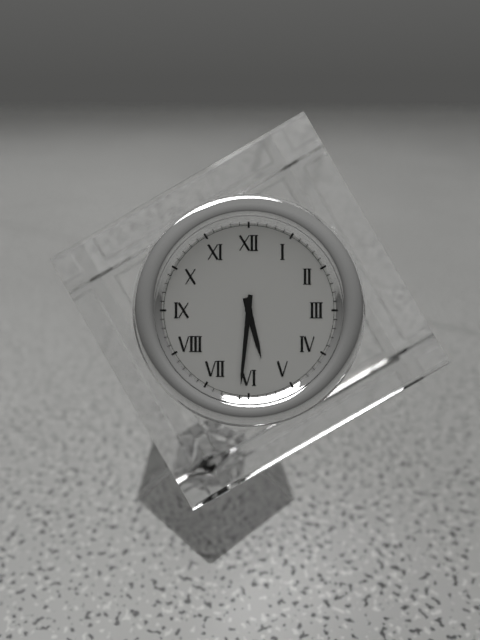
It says 5 h 31 min
